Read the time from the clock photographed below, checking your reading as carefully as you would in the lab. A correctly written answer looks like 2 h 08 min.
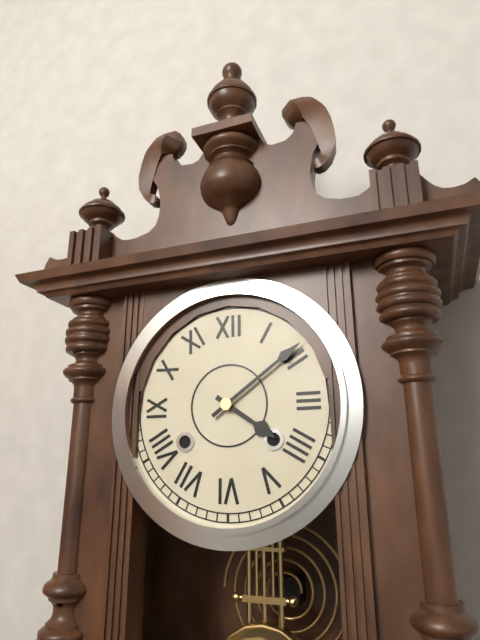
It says 4 h 09 min
